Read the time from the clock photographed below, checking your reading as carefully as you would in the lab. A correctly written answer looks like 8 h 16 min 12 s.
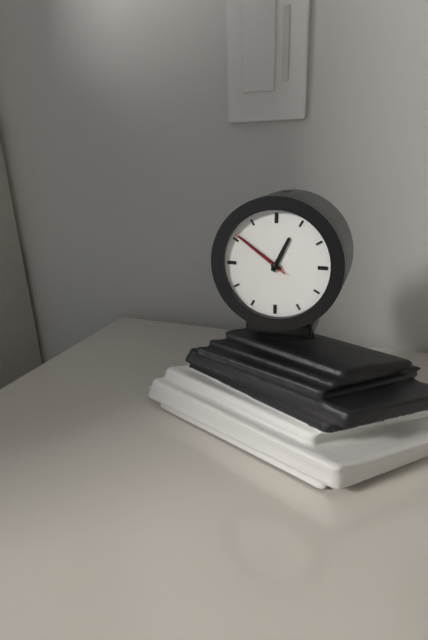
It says 12 h 51 min 51 s
